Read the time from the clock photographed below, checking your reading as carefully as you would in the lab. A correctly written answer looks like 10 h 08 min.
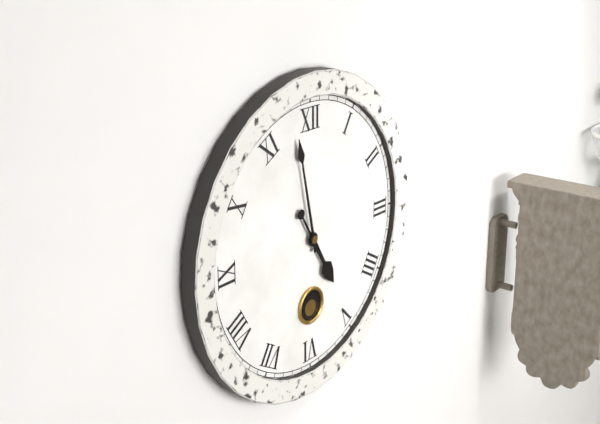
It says 4 h 58 min
